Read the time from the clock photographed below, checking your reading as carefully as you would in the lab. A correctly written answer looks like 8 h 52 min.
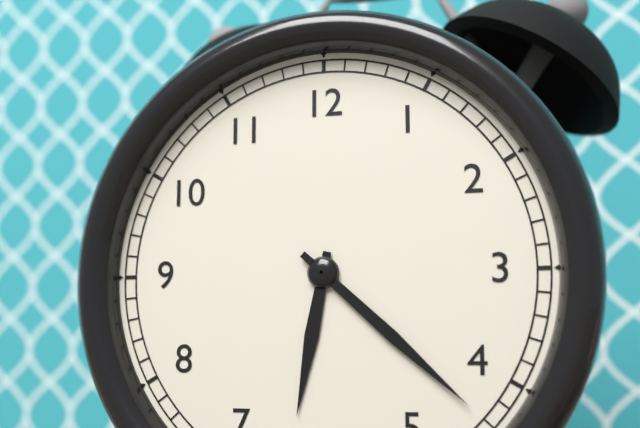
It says 6 h 22 min
